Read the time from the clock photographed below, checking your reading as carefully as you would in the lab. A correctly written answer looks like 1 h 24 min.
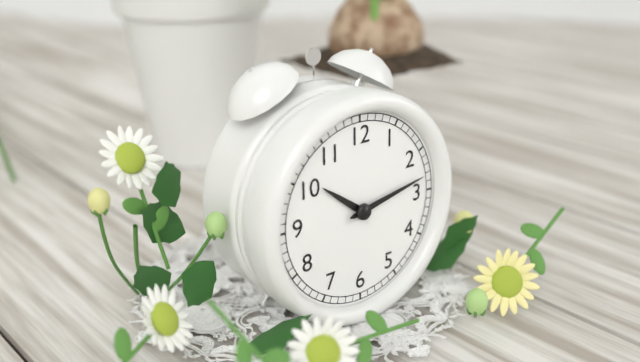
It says 10 h 13 min
